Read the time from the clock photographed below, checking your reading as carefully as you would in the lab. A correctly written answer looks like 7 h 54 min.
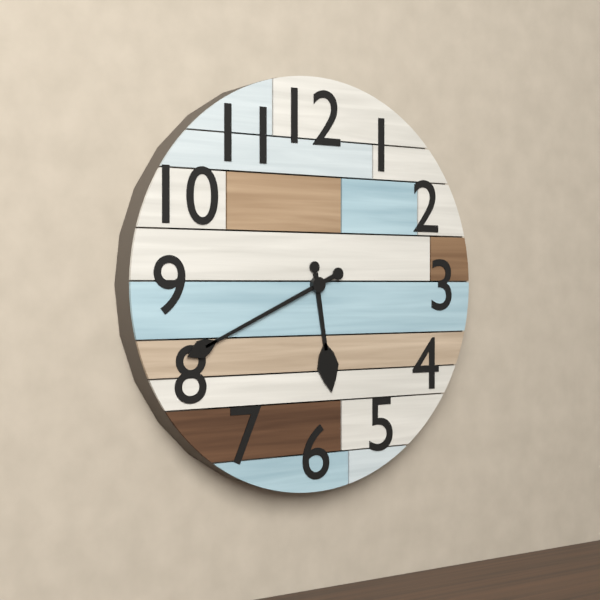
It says 5 h 41 min
